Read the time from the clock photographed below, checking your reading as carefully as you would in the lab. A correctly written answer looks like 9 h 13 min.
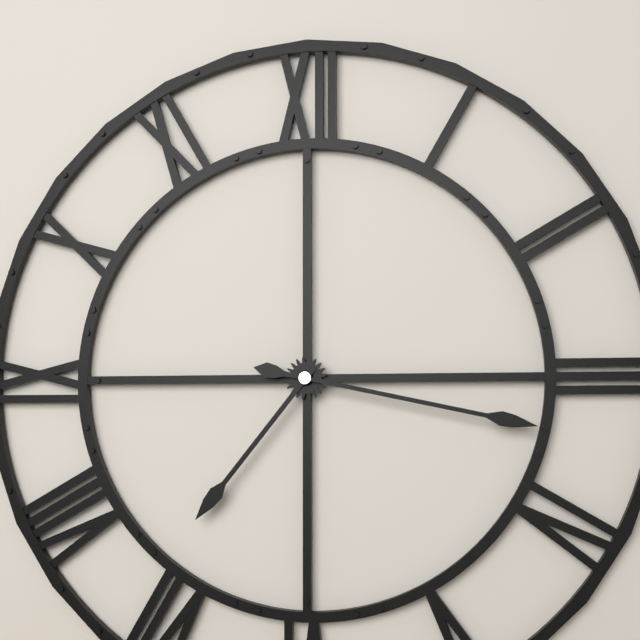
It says 7 h 17 min
